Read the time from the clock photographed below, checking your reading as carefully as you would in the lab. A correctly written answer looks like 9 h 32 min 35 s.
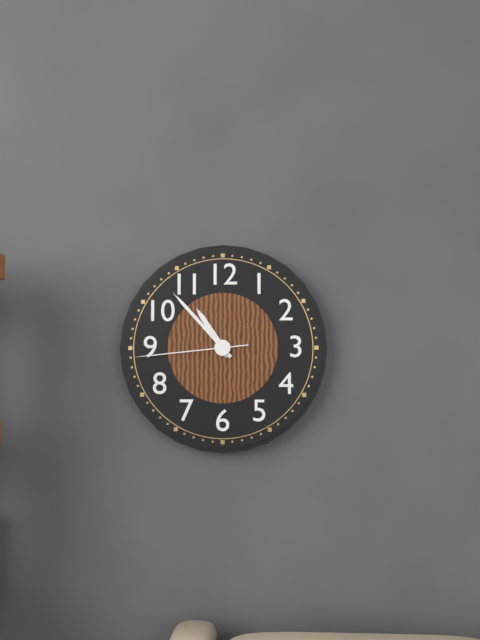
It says 10 h 53 min 44 s
